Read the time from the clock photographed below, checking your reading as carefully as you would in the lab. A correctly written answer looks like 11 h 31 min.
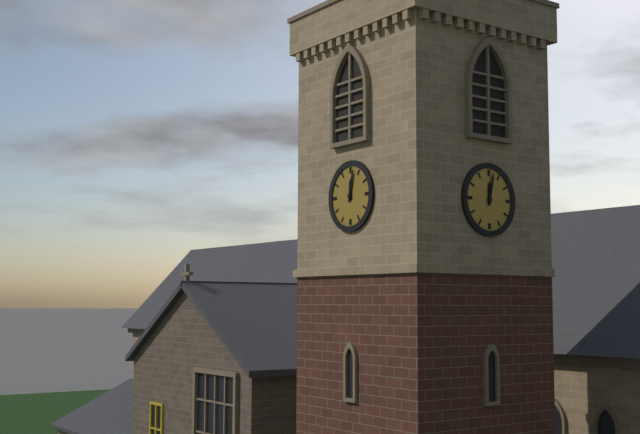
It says 12 h 02 min
